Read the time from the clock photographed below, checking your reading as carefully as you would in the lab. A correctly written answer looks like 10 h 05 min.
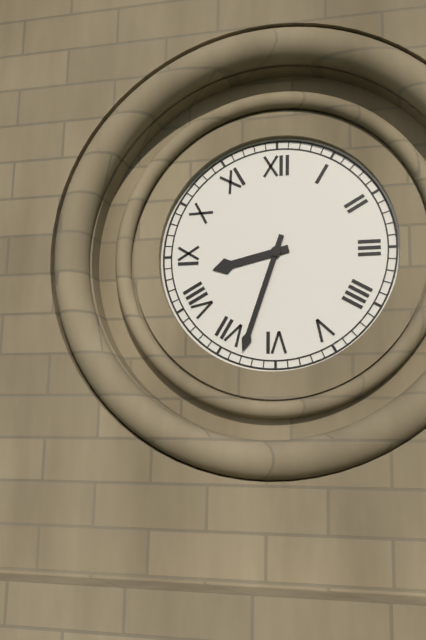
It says 8 h 33 min
